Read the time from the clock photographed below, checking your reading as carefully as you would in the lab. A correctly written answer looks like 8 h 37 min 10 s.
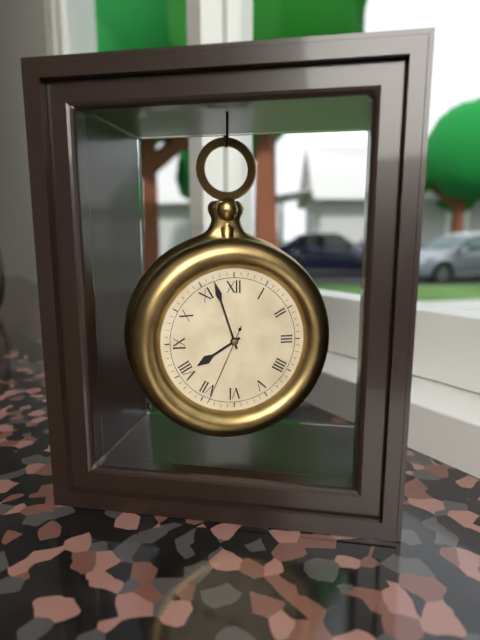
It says 7 h 57 min 34 s
